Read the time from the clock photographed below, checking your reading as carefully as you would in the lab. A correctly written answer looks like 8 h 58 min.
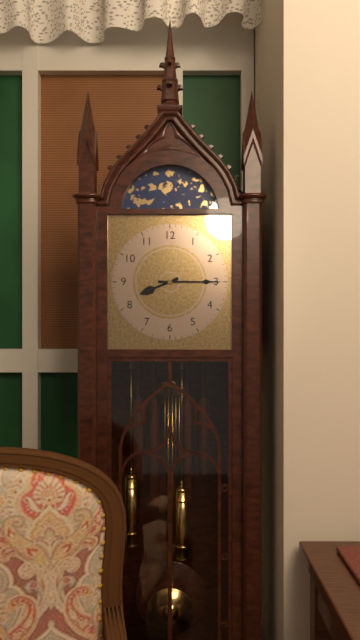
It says 8 h 15 min
